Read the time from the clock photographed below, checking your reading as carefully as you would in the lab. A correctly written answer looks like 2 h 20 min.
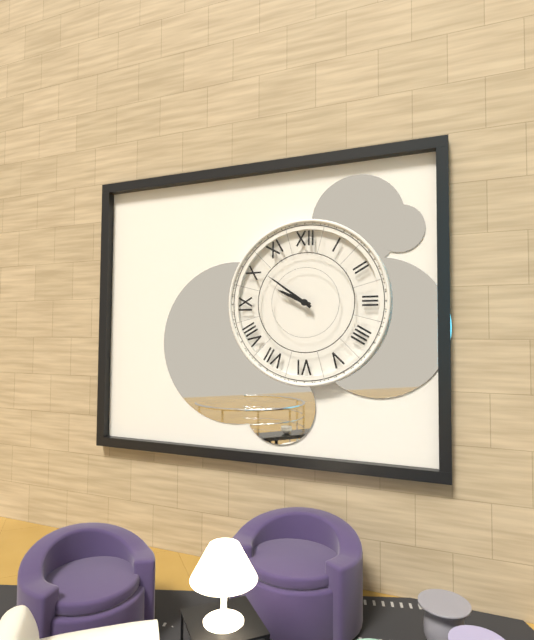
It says 9 h 51 min
